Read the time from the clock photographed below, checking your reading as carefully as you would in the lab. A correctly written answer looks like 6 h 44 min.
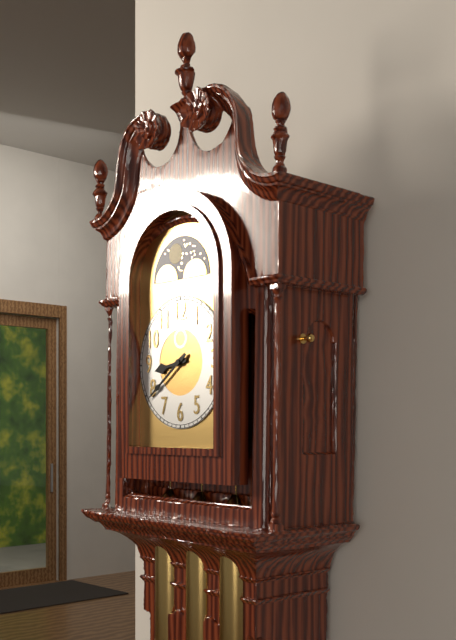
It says 8 h 39 min
